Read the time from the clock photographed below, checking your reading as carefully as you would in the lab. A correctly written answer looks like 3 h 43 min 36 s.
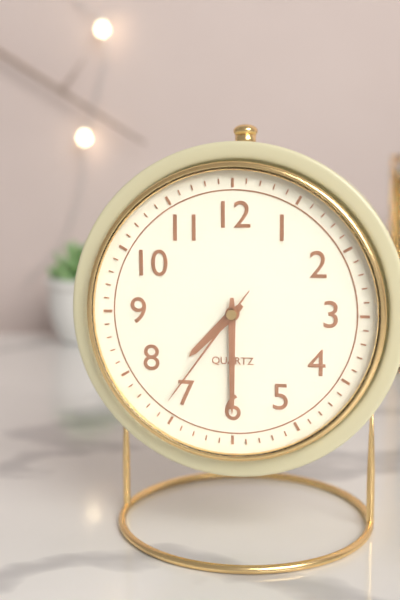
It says 7 h 30 min 36 s
